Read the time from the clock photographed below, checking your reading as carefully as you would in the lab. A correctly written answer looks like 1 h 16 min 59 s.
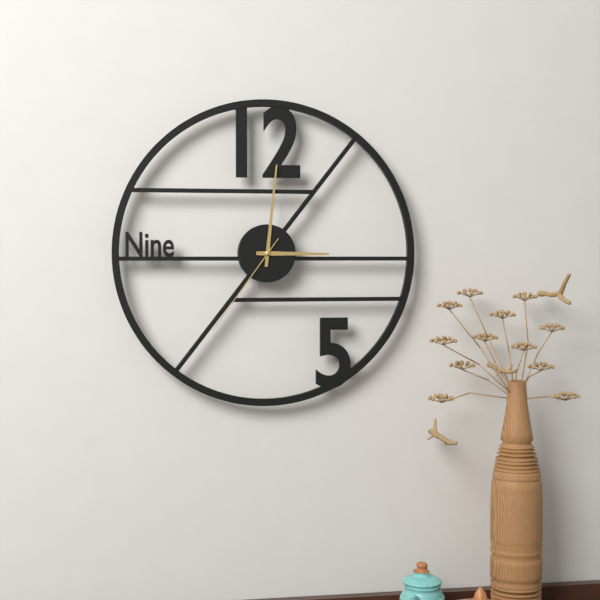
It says 3 h 01 min 36 s
